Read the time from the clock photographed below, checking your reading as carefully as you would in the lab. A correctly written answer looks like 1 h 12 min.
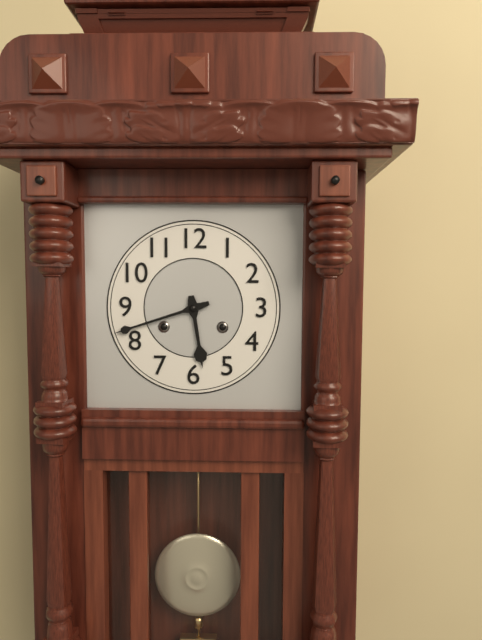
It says 5 h 42 min
